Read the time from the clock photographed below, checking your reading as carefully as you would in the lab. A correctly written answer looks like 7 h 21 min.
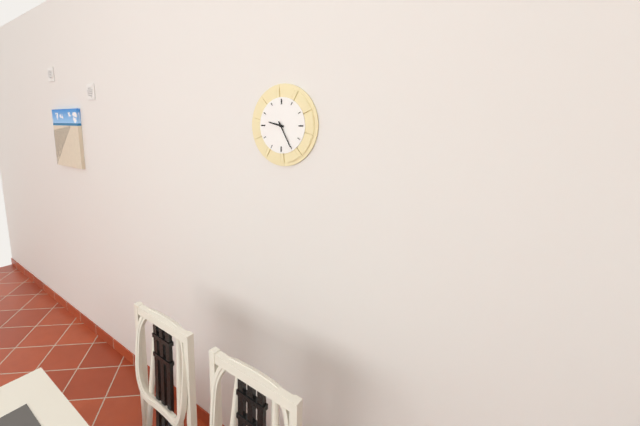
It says 9 h 25 min
